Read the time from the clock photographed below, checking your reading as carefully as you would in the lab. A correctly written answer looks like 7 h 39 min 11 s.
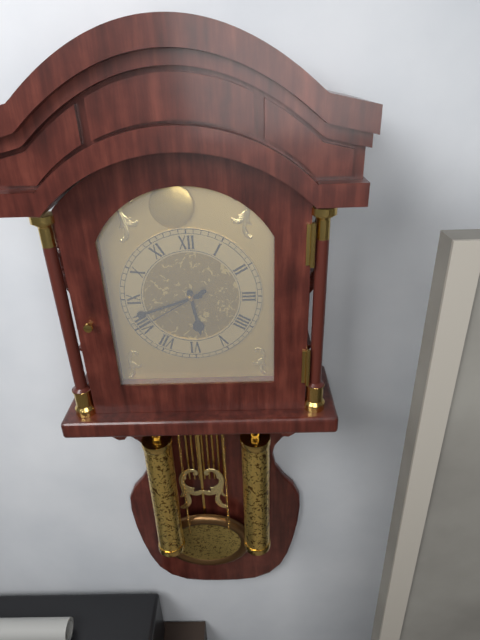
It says 5 h 42 min 40 s
